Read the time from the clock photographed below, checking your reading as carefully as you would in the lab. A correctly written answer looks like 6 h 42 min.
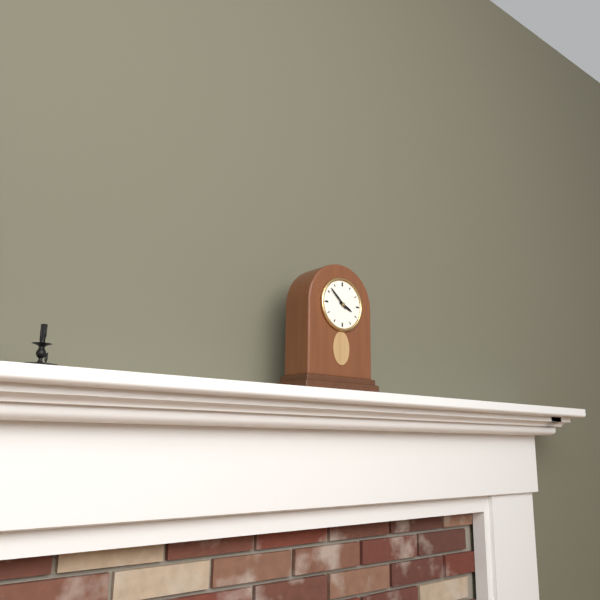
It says 3 h 52 min
